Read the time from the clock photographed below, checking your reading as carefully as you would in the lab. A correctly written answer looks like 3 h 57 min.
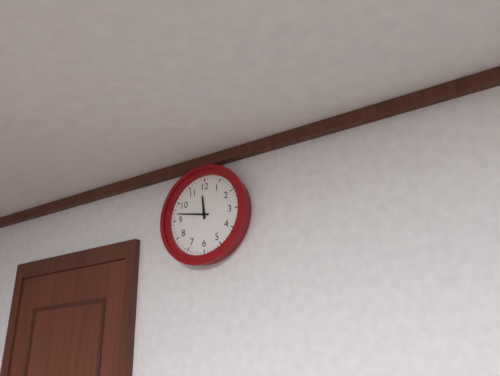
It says 11 h 47 min
